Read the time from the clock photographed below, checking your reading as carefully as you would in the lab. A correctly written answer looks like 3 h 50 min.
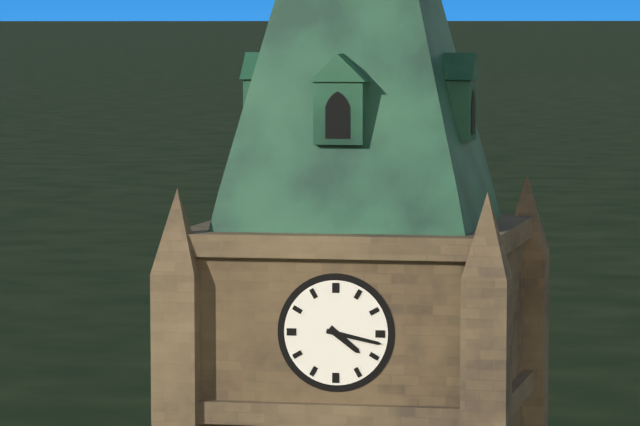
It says 4 h 17 min
